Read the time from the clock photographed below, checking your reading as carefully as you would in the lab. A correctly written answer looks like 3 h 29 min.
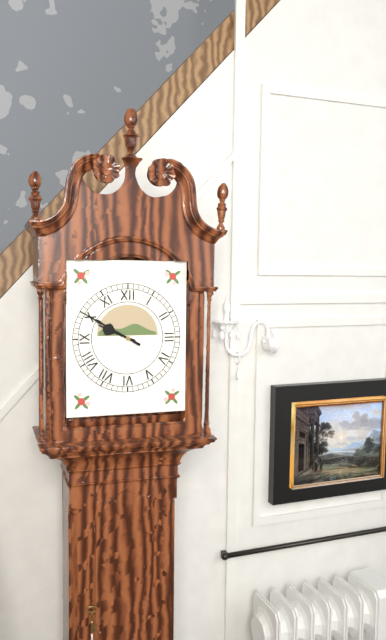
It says 9 h 50 min
